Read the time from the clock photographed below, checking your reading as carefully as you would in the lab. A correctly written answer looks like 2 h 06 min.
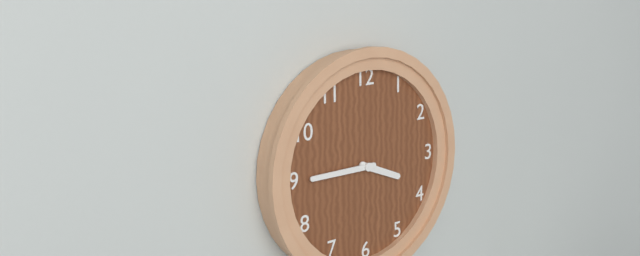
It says 3 h 45 min
